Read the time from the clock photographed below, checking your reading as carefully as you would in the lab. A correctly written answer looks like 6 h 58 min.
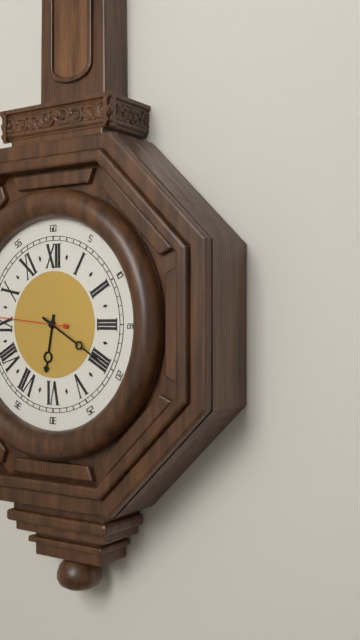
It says 6 h 20 min
